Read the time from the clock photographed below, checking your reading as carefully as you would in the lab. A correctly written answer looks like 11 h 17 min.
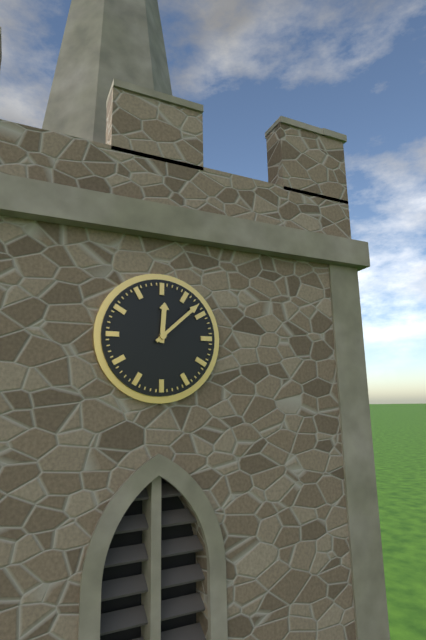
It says 12 h 08 min
